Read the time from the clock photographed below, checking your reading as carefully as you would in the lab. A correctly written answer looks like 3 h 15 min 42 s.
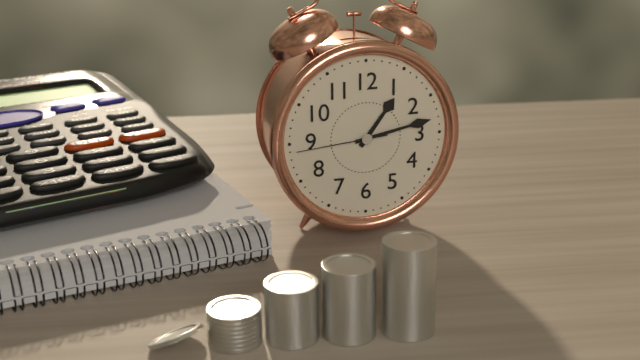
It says 1 h 13 min 44 s
